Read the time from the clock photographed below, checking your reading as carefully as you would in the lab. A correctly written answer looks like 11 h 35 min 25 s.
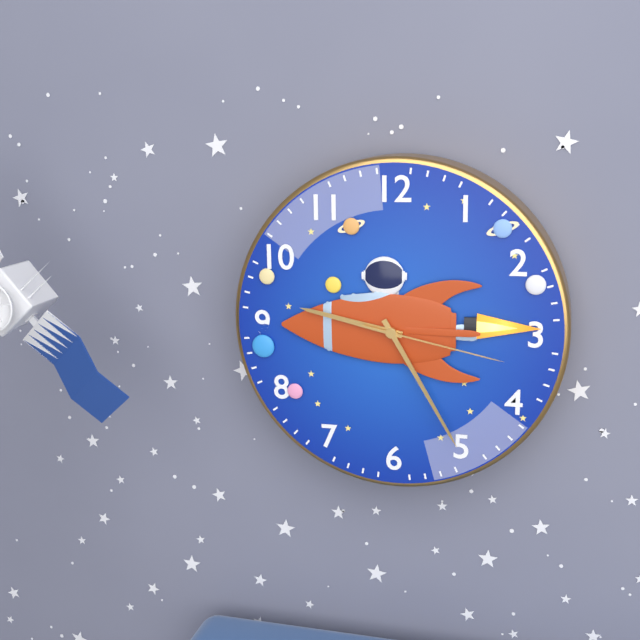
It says 9 h 25 min 17 s
